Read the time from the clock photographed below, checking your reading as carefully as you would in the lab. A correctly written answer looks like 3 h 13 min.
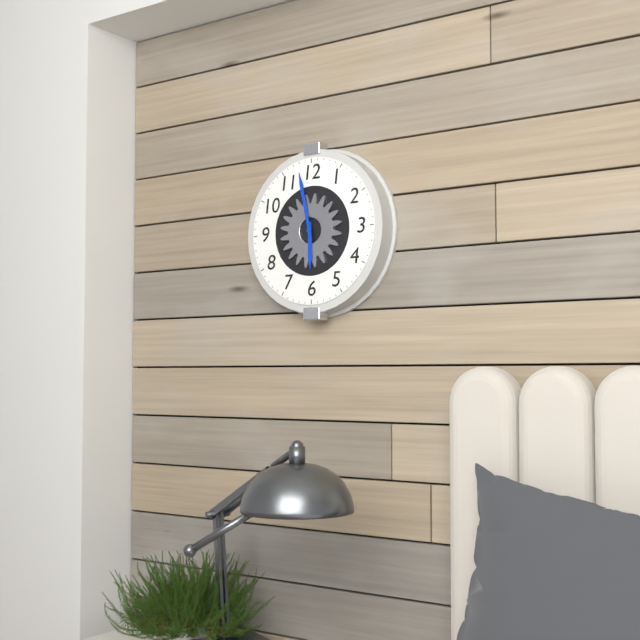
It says 5 h 58 min
